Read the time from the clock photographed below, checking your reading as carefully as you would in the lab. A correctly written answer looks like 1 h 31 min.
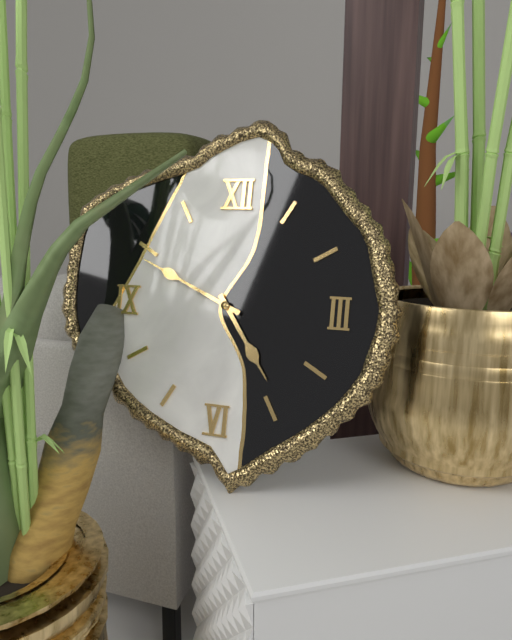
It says 4 h 49 min
